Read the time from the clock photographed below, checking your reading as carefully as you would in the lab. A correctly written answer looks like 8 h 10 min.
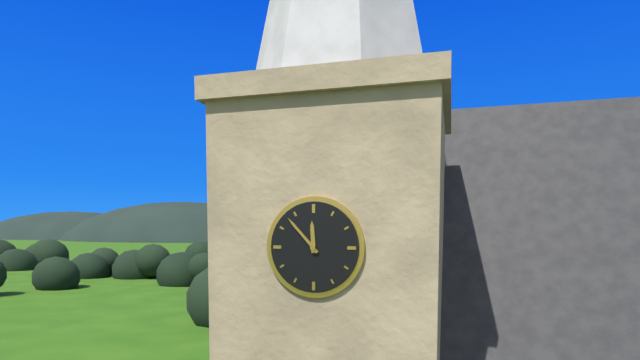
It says 11 h 53 min
